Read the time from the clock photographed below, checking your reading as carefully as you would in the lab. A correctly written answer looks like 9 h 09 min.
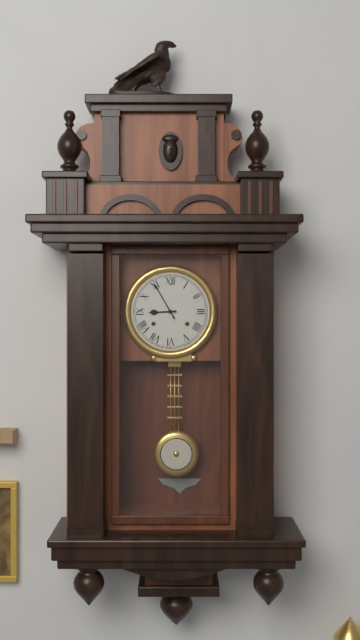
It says 8 h 55 min
